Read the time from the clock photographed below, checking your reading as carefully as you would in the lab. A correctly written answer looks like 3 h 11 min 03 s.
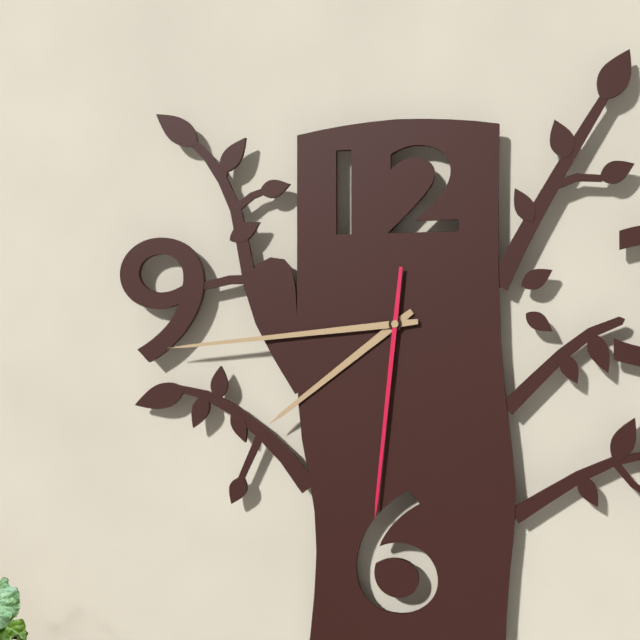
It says 7 h 44 min 31 s
